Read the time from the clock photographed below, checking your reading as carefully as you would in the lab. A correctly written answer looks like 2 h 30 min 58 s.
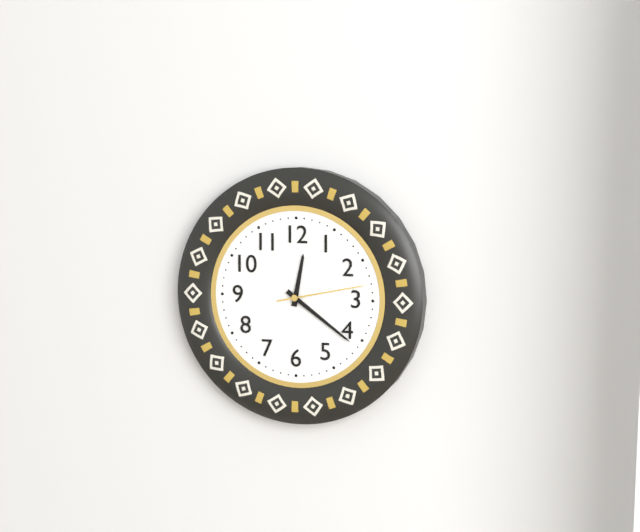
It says 12 h 21 min 13 s
